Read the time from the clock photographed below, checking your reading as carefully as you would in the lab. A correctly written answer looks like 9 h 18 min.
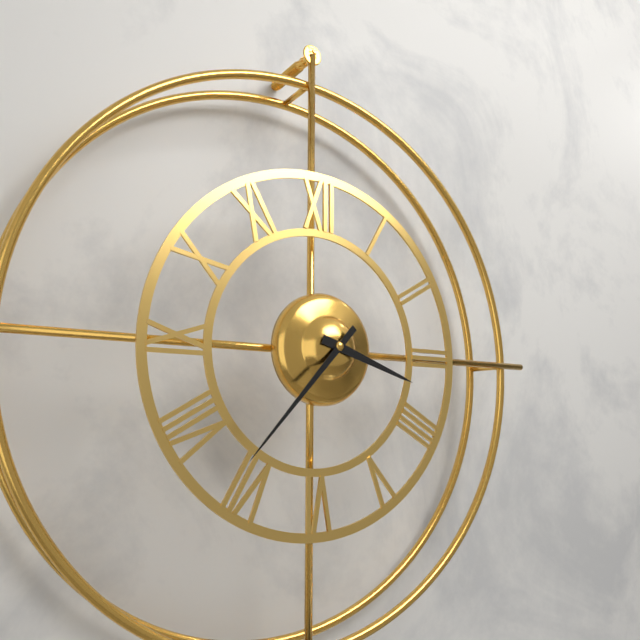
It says 3 h 37 min
